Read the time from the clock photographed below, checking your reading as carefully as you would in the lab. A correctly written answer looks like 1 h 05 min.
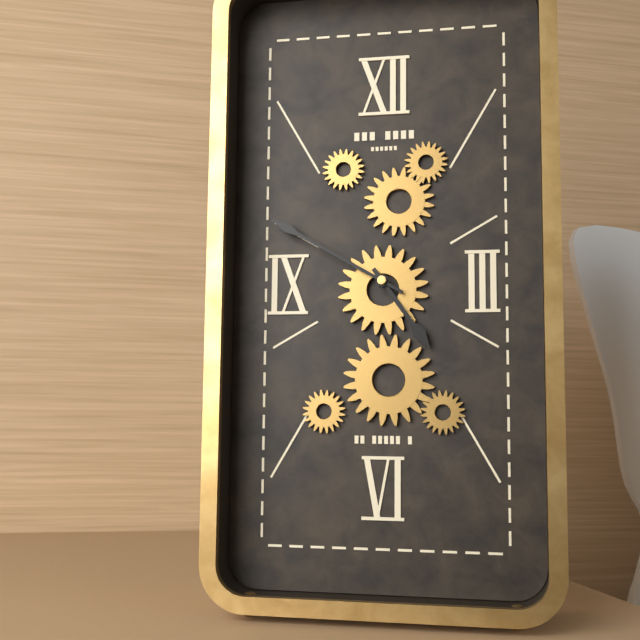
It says 4 h 50 min
